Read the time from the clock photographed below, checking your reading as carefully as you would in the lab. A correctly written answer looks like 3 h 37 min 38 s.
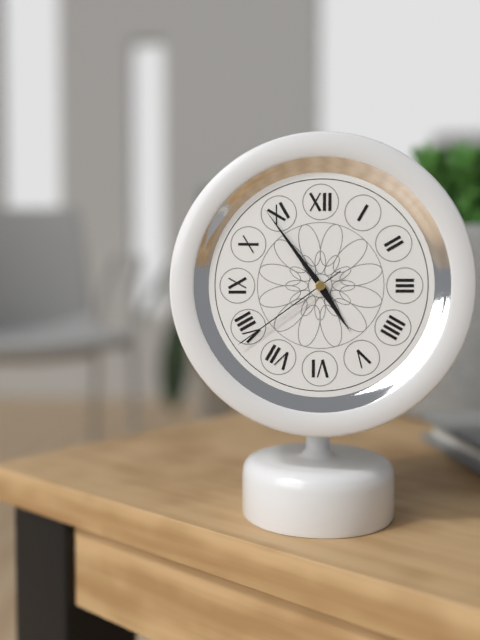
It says 4 h 54 min 39 s
